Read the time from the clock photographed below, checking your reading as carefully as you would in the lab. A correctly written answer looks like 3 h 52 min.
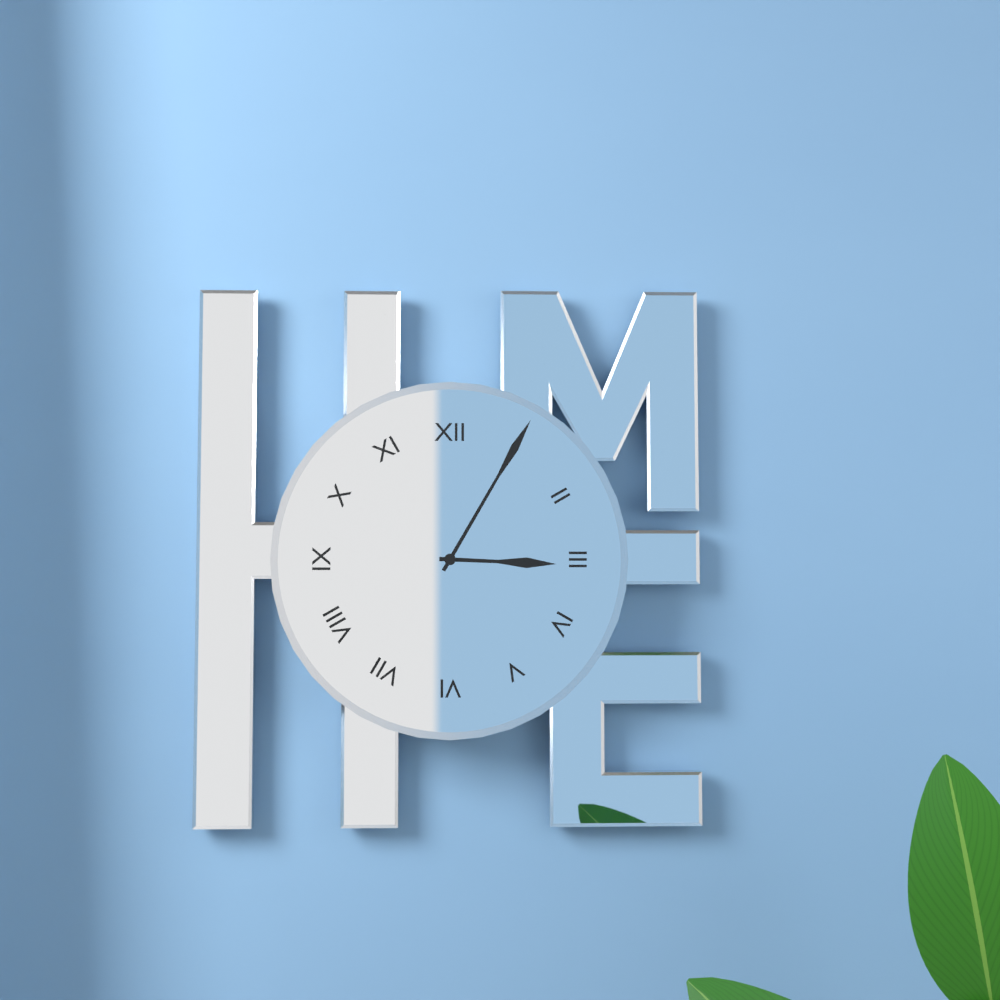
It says 3 h 05 min
